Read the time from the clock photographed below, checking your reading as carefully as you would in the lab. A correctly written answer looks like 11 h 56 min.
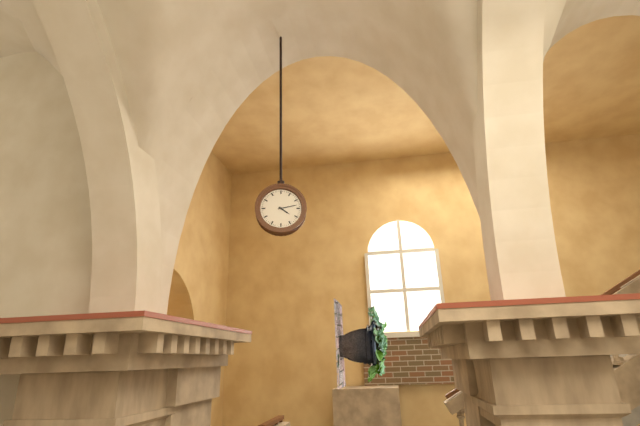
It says 4 h 13 min
